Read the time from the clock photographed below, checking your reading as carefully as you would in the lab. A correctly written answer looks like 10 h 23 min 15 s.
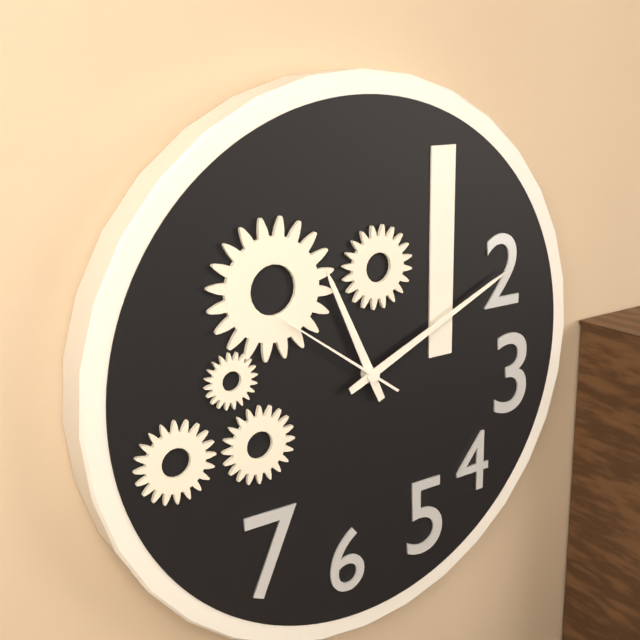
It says 11 h 11 min 51 s
